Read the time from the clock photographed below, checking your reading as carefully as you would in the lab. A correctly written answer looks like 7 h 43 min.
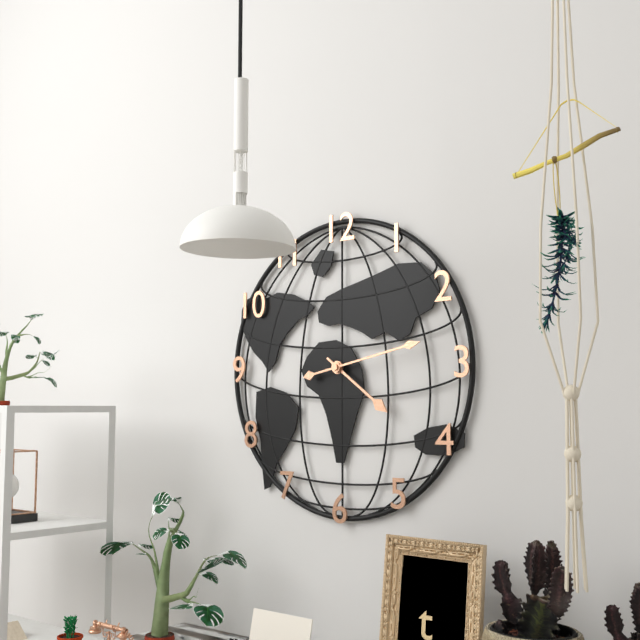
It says 4 h 13 min
